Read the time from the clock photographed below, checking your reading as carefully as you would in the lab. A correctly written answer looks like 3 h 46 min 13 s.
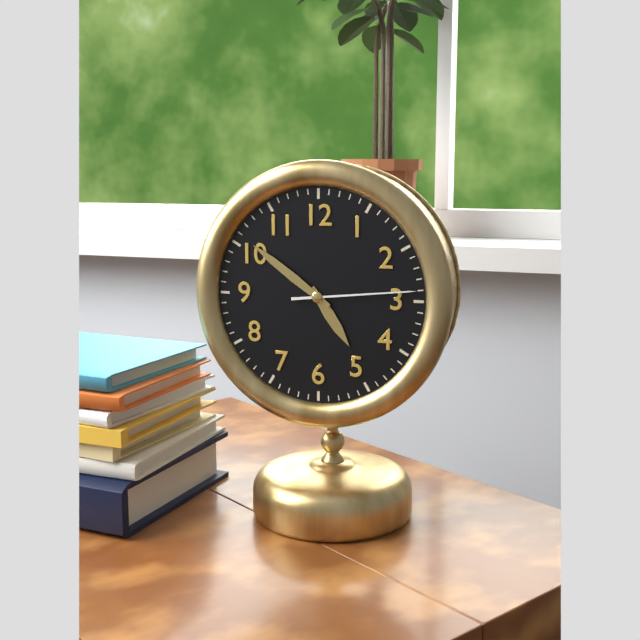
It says 4 h 51 min 14 s
